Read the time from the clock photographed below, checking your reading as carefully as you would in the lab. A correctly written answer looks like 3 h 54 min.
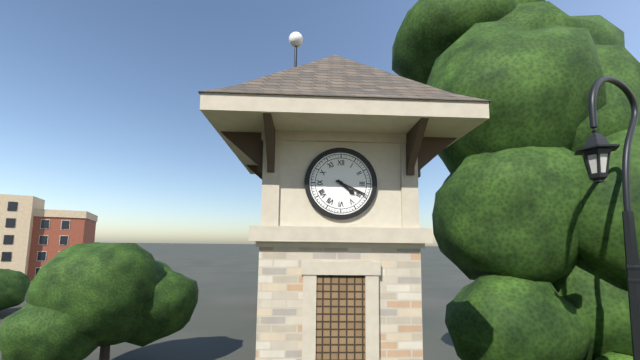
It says 4 h 19 min
